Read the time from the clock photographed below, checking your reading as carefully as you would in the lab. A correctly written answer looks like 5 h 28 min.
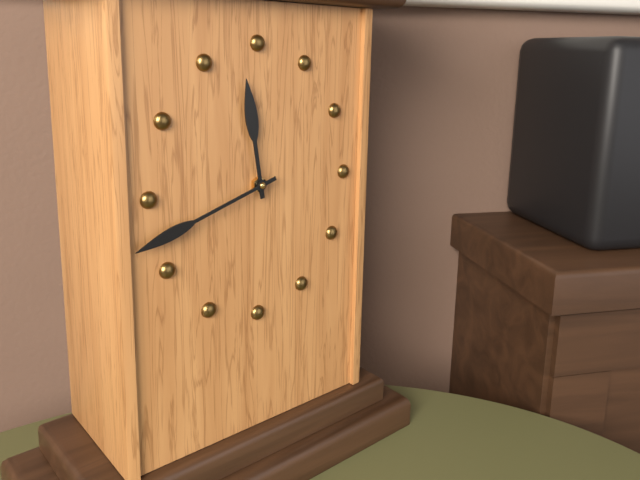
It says 11 h 42 min
